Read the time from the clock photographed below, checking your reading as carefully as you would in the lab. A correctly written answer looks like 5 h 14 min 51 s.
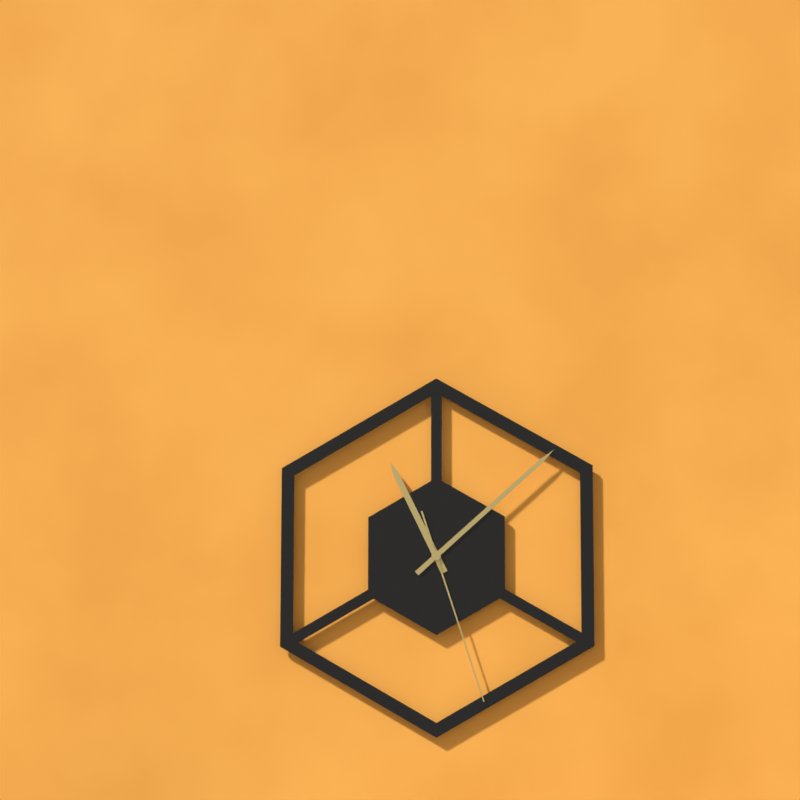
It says 11 h 08 min 27 s
